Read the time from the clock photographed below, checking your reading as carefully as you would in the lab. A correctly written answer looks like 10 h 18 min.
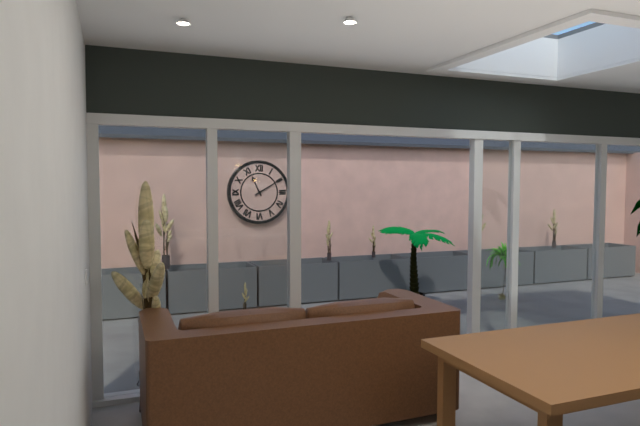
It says 11 h 10 min
